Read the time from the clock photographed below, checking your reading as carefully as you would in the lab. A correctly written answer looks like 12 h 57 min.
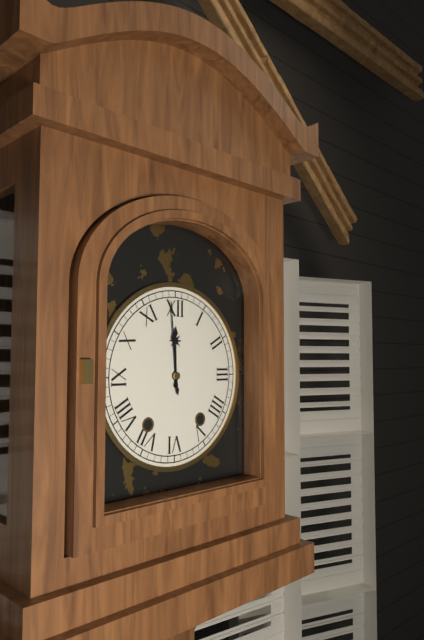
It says 11 h 59 min
